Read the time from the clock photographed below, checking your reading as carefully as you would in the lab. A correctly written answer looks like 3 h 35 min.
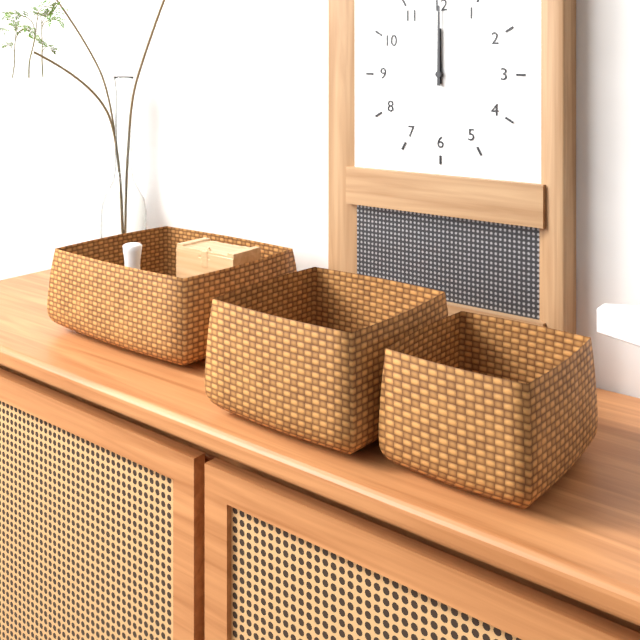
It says 12 h 00 min
